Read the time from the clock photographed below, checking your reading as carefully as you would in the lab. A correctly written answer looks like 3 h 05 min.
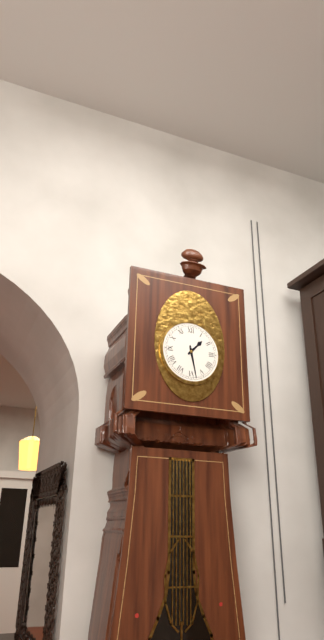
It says 1 h 28 min
